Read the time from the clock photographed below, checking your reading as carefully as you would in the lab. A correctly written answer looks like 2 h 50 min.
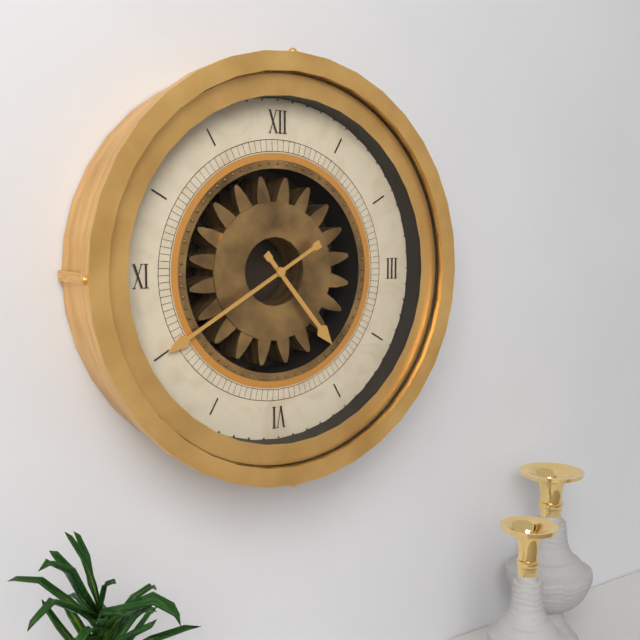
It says 4 h 40 min
